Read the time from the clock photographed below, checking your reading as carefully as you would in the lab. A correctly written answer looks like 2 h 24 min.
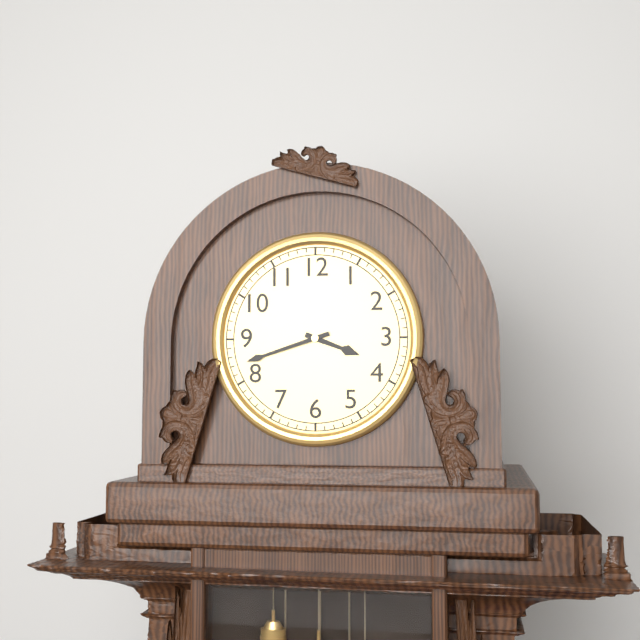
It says 3 h 42 min
